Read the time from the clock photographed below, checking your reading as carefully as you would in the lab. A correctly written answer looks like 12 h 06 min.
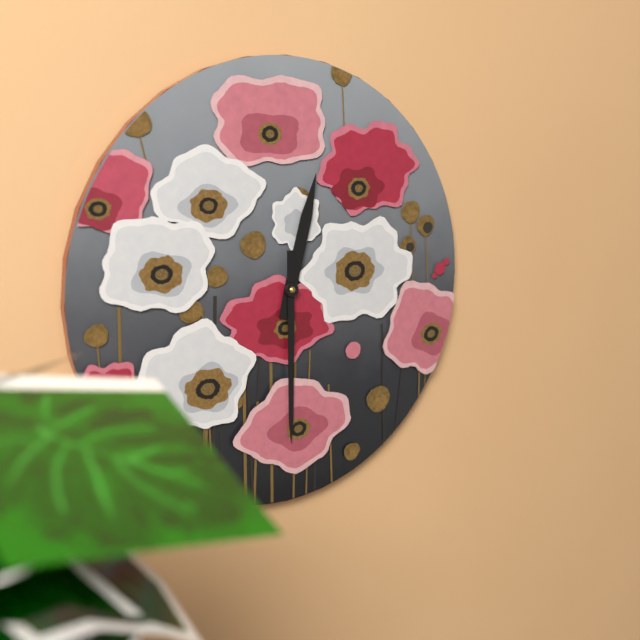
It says 12 h 30 min
